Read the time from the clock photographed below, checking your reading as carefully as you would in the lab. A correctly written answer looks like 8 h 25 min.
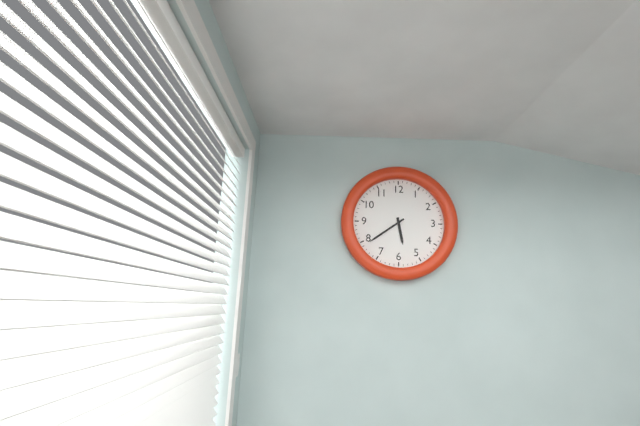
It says 5 h 39 min
